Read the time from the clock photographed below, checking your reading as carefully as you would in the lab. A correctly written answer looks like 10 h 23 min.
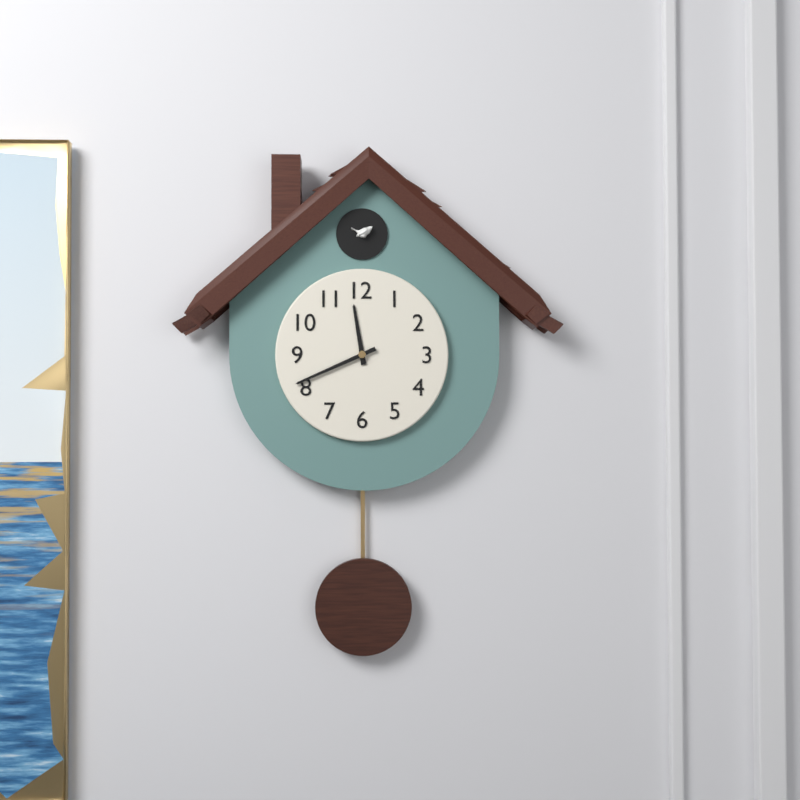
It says 11 h 41 min
